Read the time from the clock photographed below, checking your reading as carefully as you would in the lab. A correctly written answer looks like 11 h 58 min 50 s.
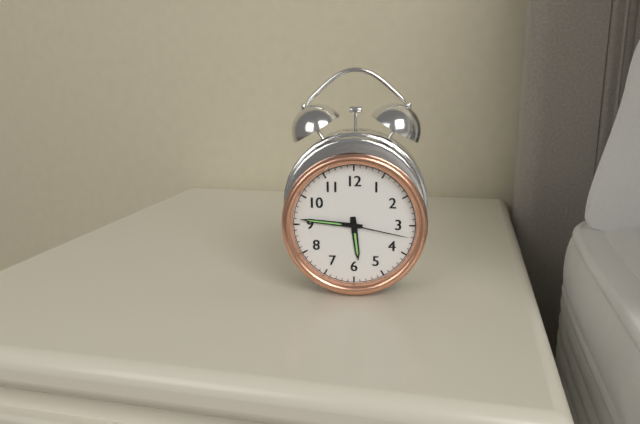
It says 5 h 46 min 17 s
